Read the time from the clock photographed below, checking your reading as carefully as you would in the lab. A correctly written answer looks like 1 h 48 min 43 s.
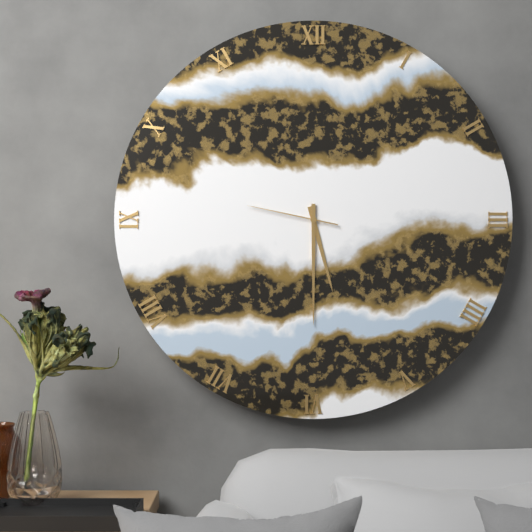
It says 5 h 30 min 47 s
